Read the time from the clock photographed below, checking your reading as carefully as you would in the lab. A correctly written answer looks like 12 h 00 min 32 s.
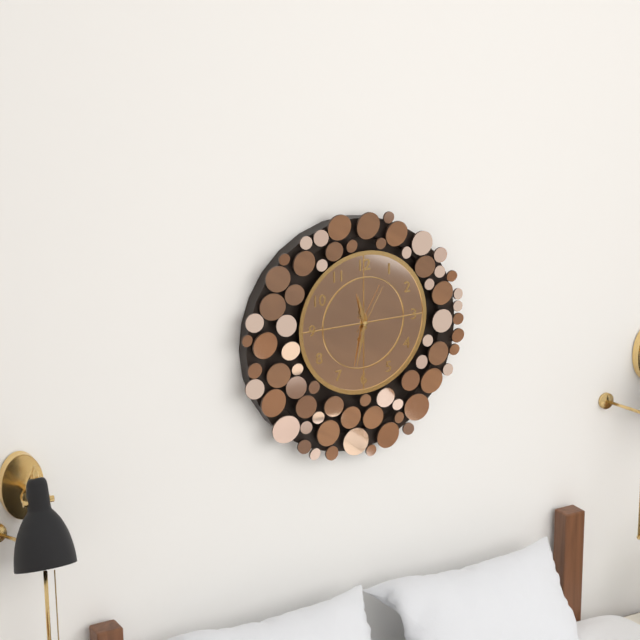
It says 11 h 32 min 05 s
